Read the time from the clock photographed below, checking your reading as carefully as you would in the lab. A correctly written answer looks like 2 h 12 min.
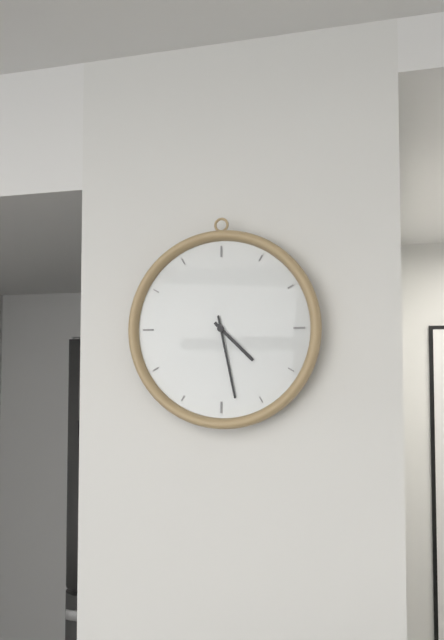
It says 4 h 28 min
